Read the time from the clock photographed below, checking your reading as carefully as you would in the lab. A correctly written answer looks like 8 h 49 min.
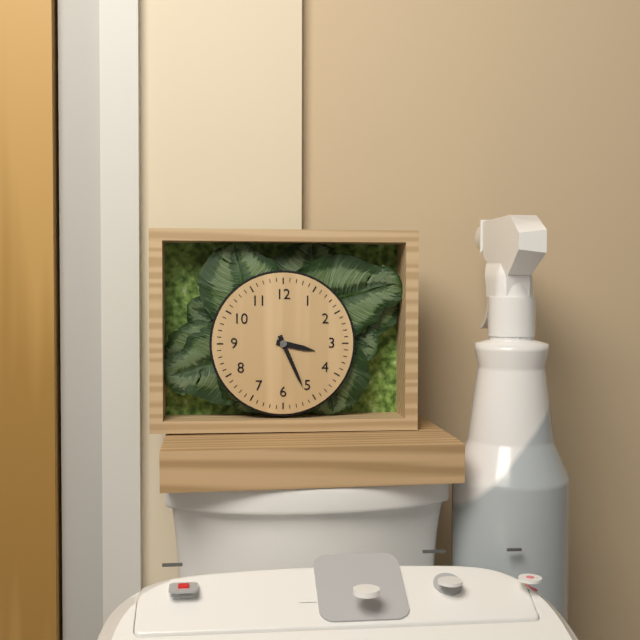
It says 3 h 26 min
